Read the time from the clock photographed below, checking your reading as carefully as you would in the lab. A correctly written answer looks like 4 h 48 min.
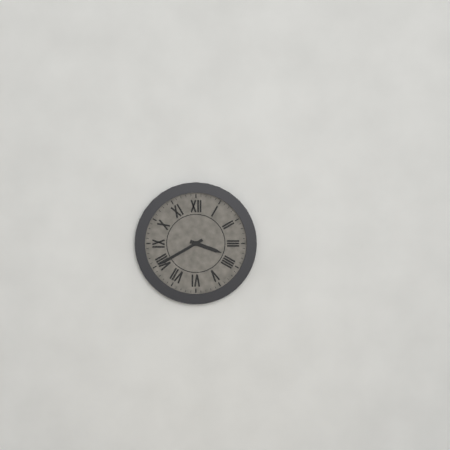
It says 3 h 40 min
